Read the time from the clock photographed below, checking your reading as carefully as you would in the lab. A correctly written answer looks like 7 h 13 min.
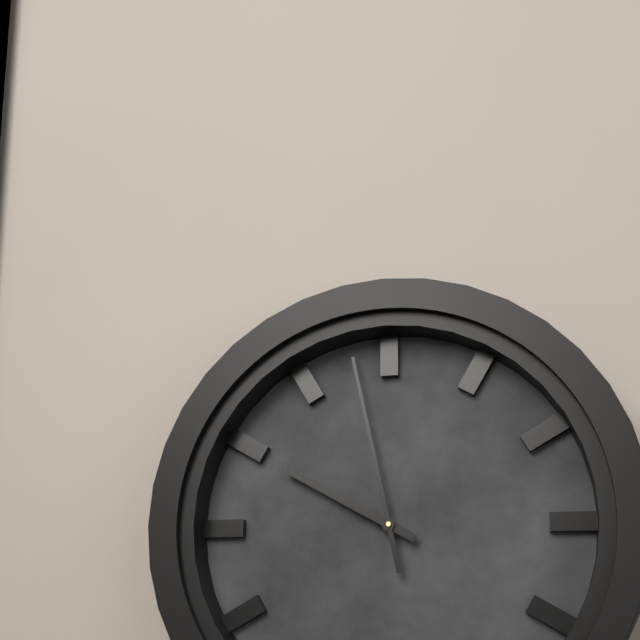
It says 9 h 58 min
